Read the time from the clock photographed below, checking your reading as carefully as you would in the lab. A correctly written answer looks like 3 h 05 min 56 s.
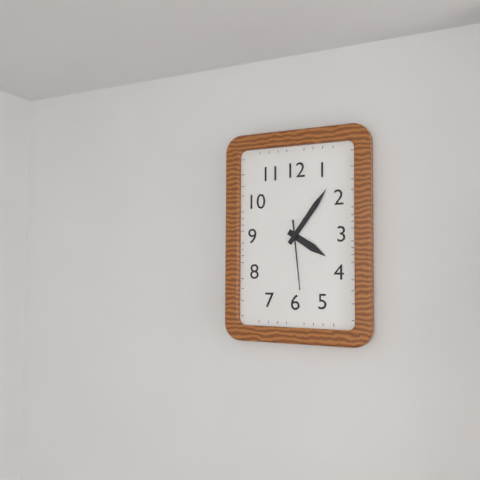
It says 4 h 06 min 29 s
